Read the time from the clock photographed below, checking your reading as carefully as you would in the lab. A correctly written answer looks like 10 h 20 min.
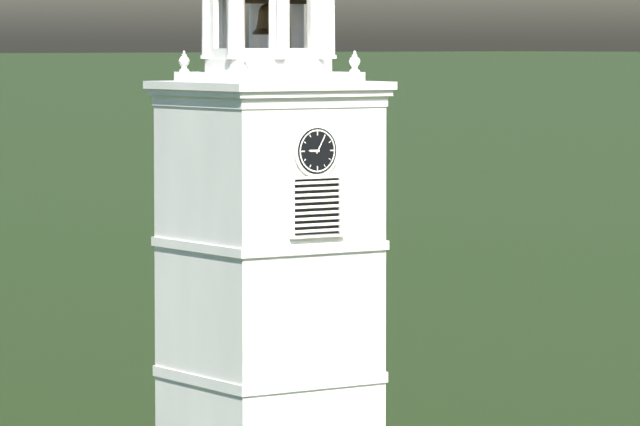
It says 9 h 05 min
